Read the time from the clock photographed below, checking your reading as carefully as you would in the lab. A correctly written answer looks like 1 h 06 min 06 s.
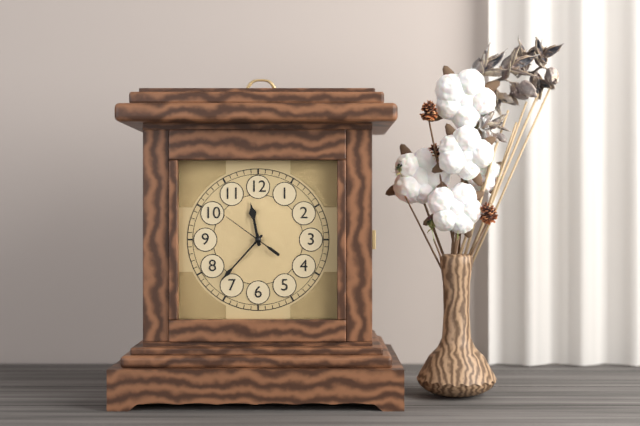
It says 11 h 37 min 51 s
